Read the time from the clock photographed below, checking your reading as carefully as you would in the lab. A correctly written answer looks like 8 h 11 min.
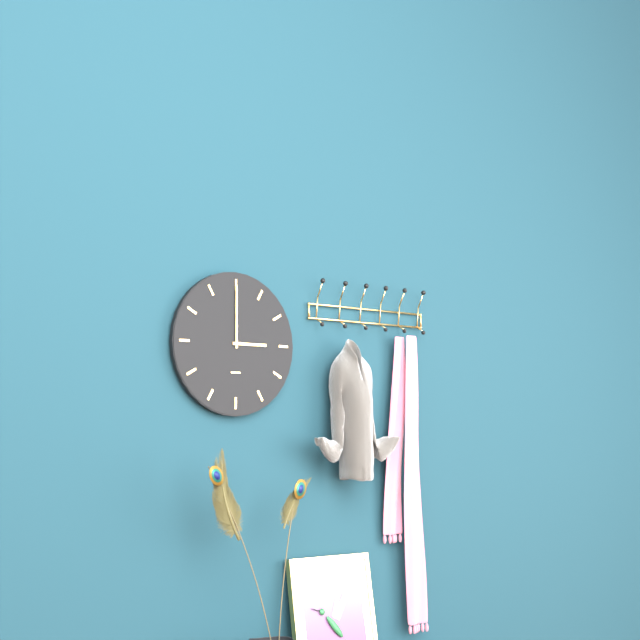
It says 3 h 00 min
